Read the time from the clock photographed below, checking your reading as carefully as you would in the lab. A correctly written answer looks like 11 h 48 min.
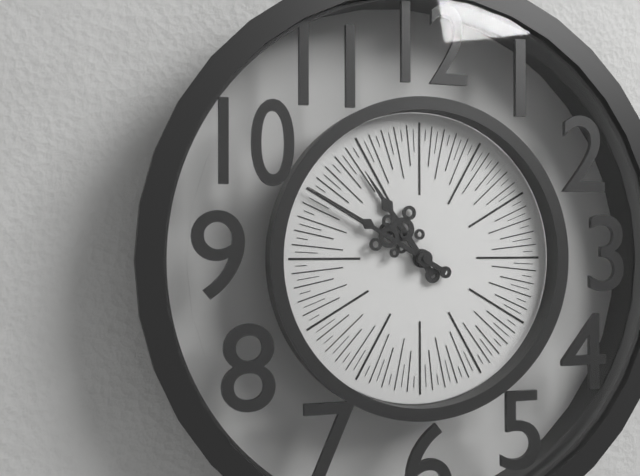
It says 10 h 50 min
